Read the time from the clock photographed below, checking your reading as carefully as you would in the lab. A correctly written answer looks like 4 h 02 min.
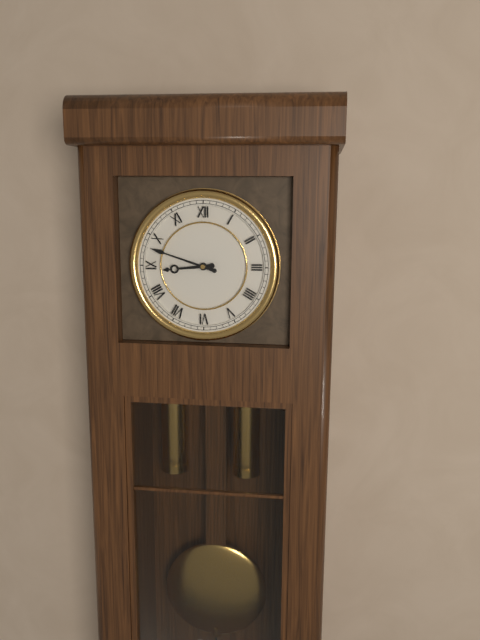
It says 8 h 48 min
